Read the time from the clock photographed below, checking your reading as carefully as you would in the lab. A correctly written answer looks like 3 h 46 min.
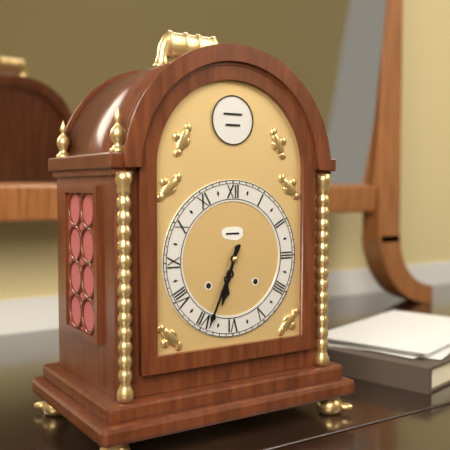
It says 6 h 34 min
